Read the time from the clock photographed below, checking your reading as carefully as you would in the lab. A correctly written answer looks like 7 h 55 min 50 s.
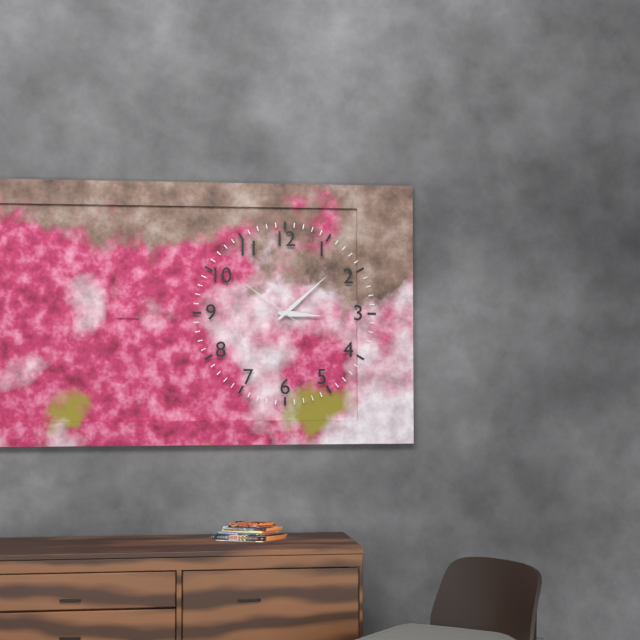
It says 3 h 08 min 51 s
